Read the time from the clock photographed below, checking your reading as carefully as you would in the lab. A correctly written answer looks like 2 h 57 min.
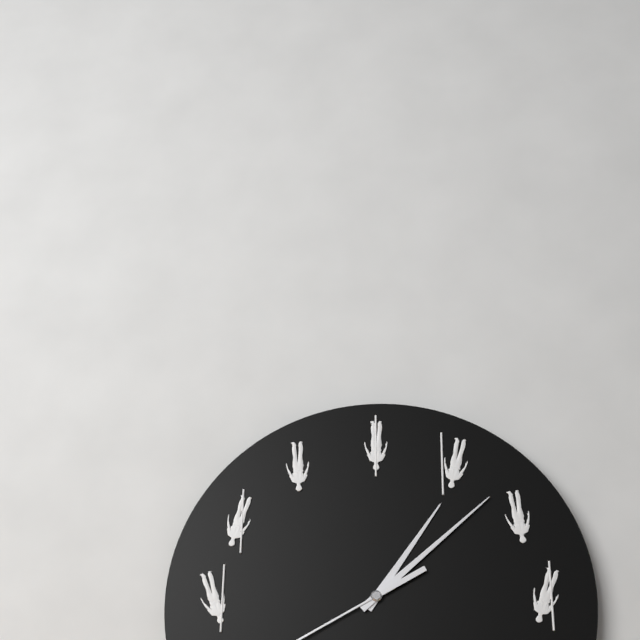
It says 1 h 08 min
